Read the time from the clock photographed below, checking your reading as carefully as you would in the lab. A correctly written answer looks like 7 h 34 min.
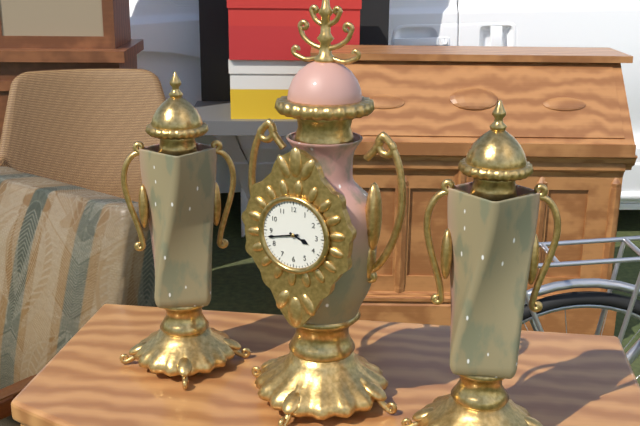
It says 3 h 43 min
